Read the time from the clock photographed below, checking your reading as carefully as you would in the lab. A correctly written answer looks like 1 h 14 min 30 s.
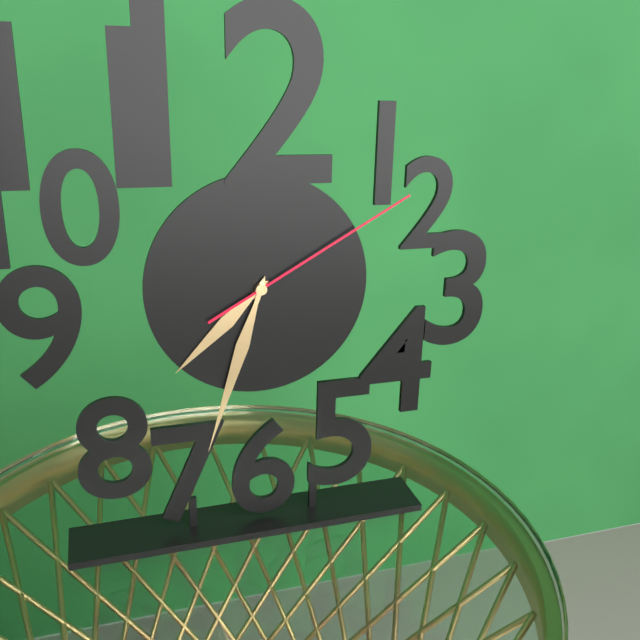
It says 7 h 33 min 10 s
